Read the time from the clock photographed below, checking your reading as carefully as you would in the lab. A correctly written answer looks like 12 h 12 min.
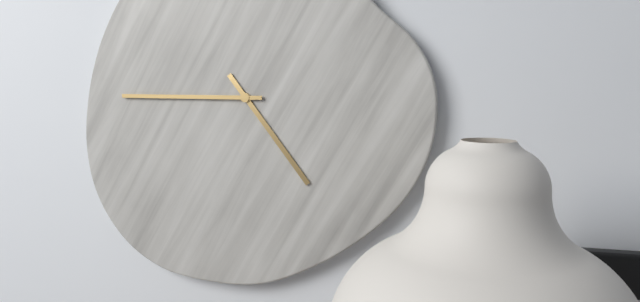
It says 4 h 45 min
